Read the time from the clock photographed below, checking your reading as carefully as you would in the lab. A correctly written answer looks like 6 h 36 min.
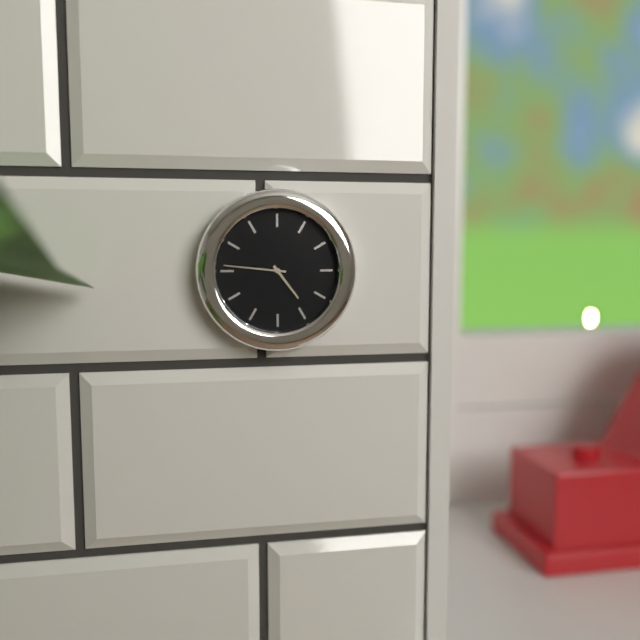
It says 4 h 46 min
